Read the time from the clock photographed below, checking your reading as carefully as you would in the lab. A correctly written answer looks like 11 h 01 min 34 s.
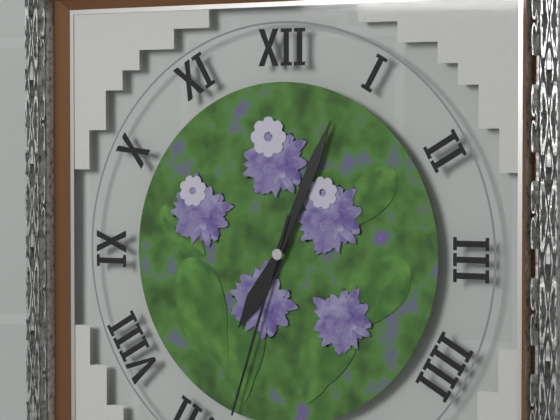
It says 7 h 04 min 33 s
